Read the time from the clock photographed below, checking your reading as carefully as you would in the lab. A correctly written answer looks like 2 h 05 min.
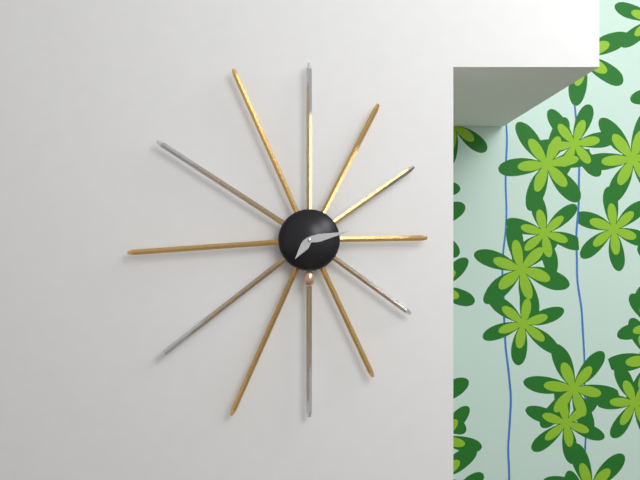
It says 7 h 13 min
